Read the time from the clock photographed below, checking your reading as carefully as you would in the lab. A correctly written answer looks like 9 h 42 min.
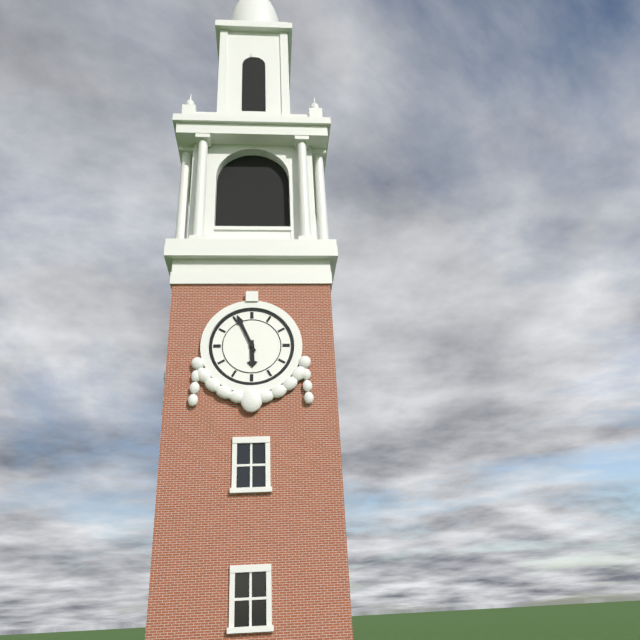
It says 5 h 56 min
